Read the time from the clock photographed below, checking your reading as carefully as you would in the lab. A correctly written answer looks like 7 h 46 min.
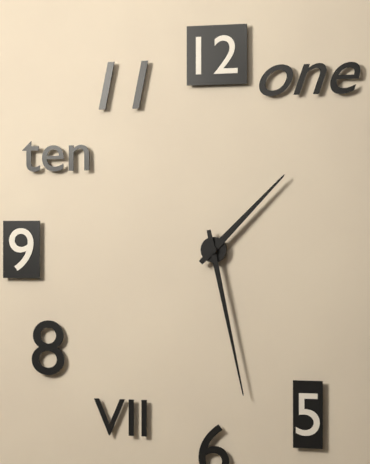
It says 1 h 28 min
